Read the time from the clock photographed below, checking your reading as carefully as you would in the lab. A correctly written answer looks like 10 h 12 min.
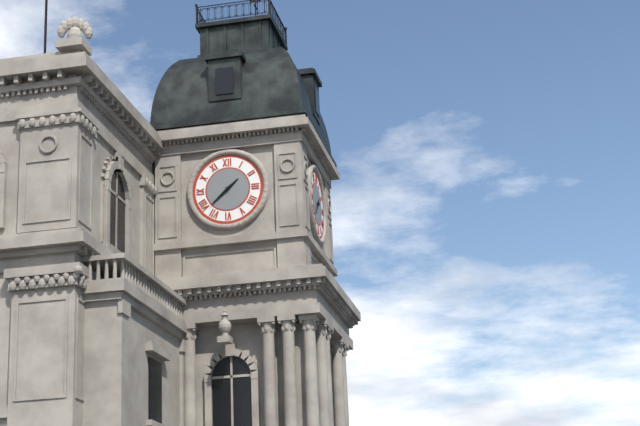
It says 1 h 38 min
